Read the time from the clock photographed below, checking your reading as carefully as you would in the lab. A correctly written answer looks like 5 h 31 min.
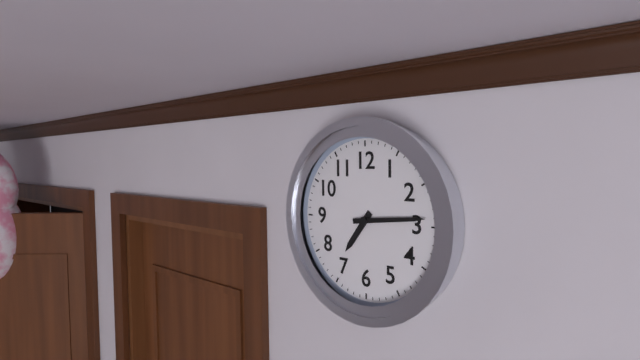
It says 7 h 14 min
